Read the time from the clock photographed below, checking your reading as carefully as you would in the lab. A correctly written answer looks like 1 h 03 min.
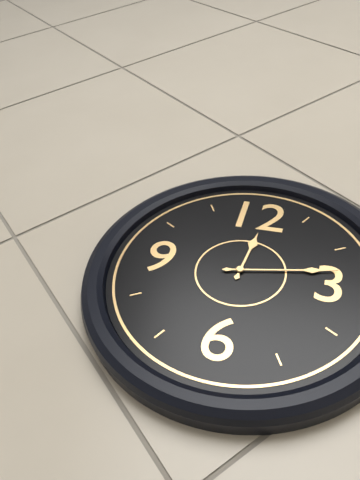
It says 12 h 13 min
